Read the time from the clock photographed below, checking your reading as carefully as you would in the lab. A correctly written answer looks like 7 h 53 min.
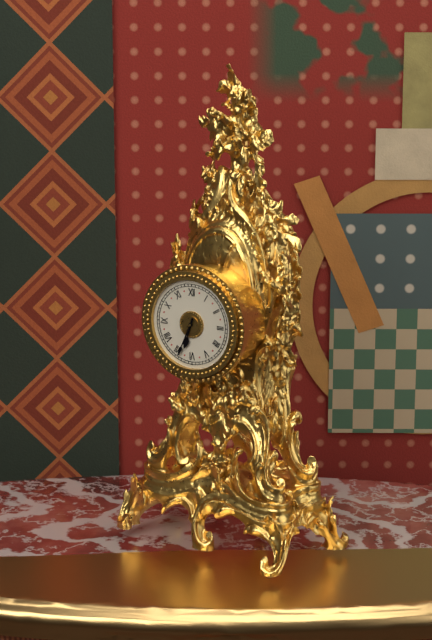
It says 6 h 34 min
